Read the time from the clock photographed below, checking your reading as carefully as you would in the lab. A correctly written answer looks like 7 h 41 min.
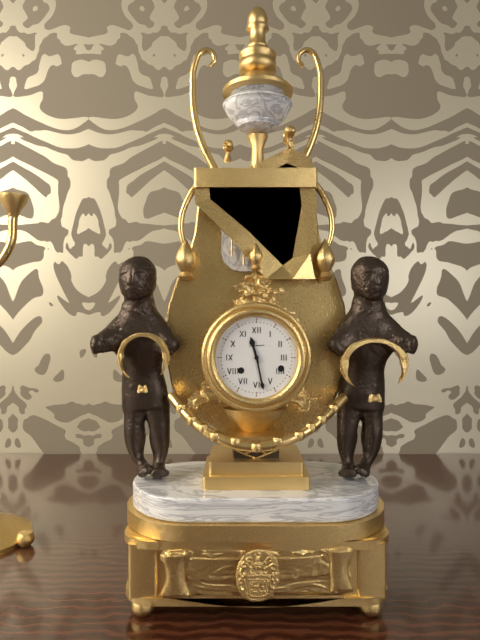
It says 11 h 28 min
